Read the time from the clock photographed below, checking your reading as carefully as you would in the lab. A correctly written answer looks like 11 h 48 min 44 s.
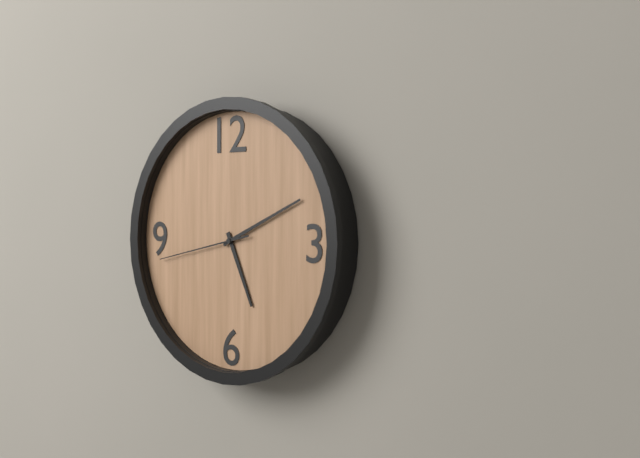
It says 5 h 11 min 43 s
